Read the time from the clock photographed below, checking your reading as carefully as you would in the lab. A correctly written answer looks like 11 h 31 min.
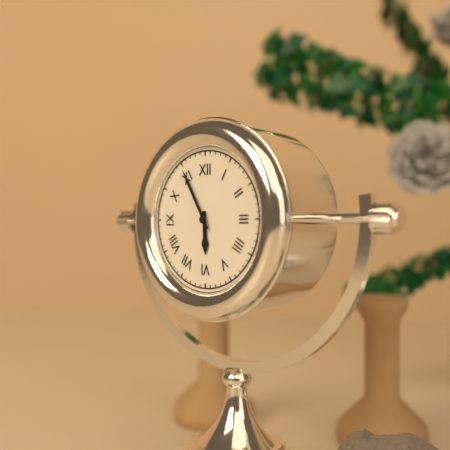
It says 5 h 55 min
